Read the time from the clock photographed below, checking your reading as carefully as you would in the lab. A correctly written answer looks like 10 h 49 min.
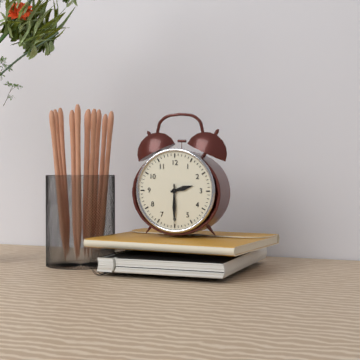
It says 2 h 30 min
